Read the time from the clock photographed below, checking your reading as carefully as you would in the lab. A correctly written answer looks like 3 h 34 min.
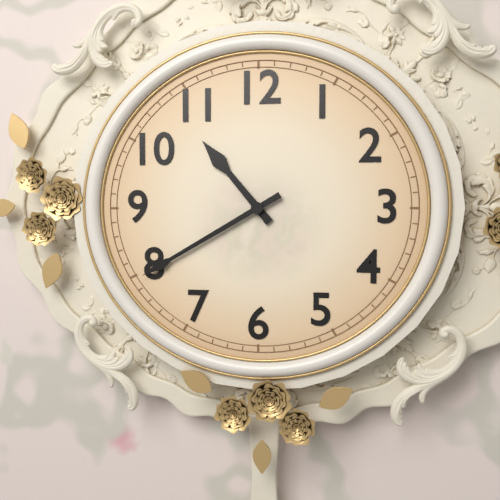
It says 10 h 40 min
